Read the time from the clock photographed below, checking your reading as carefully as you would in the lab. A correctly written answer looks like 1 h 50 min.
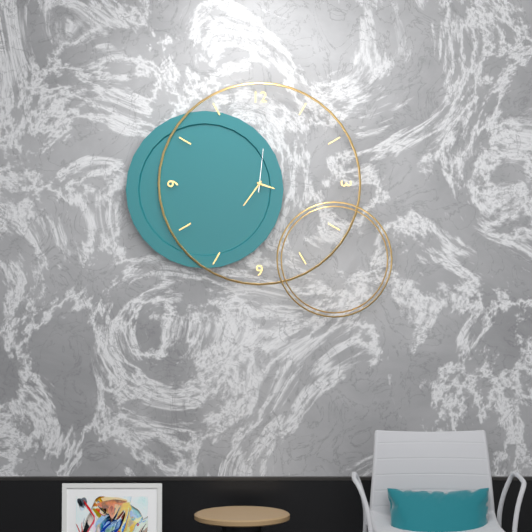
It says 3 h 36 min
